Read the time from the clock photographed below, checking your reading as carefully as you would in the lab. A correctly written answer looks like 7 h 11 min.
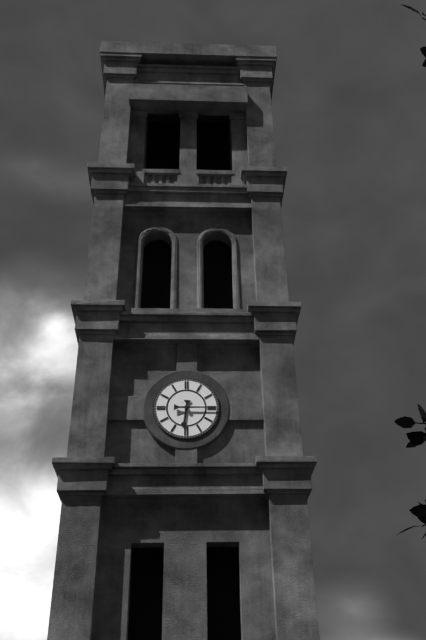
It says 6 h 15 min
